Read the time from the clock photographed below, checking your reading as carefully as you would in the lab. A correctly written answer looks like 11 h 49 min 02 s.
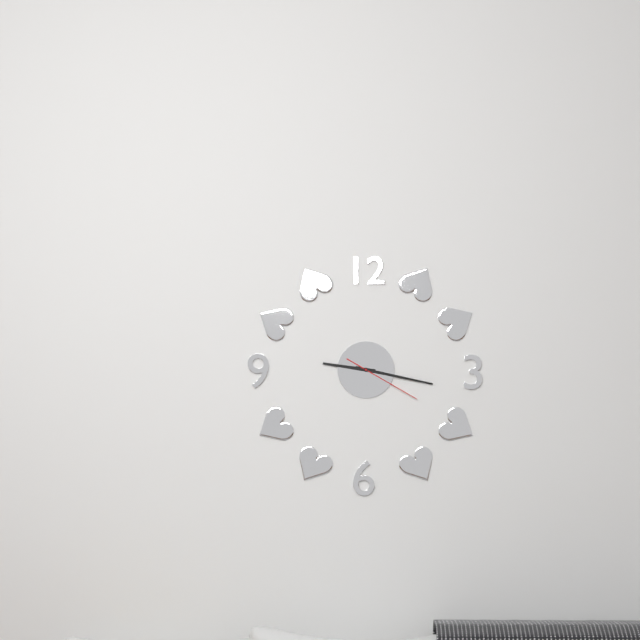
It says 9 h 17 min 20 s
